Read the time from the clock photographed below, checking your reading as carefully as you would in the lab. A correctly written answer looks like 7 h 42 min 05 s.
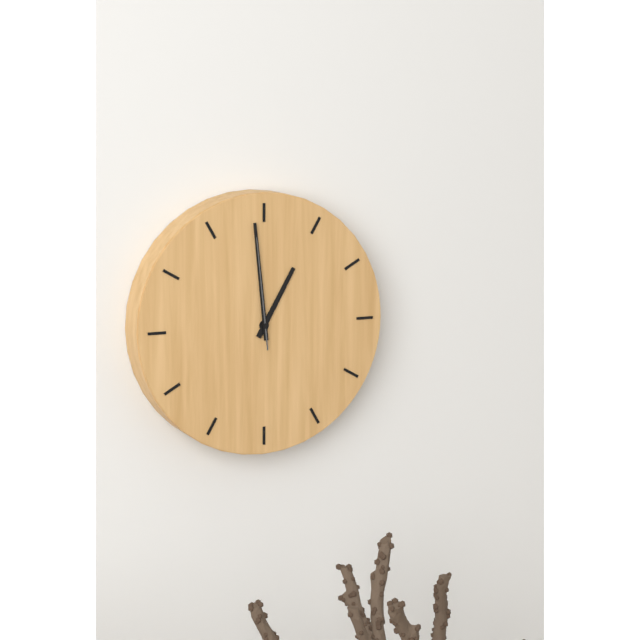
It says 12 h 59 min 59 s
